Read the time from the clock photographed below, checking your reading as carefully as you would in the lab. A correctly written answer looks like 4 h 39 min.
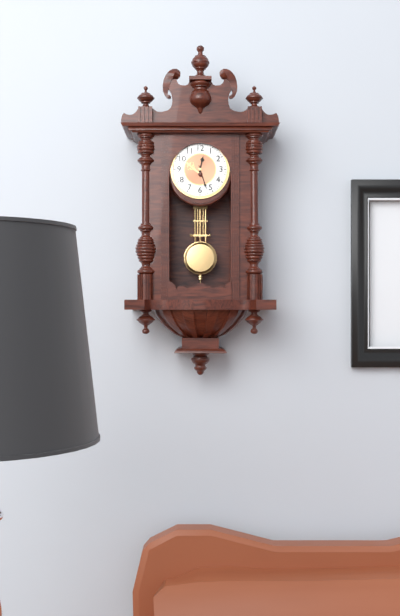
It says 12 h 27 min
